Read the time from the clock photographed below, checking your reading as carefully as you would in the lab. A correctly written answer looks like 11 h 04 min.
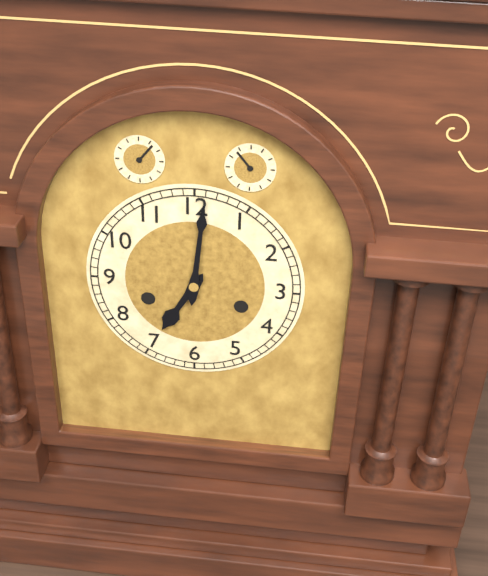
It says 7 h 01 min
